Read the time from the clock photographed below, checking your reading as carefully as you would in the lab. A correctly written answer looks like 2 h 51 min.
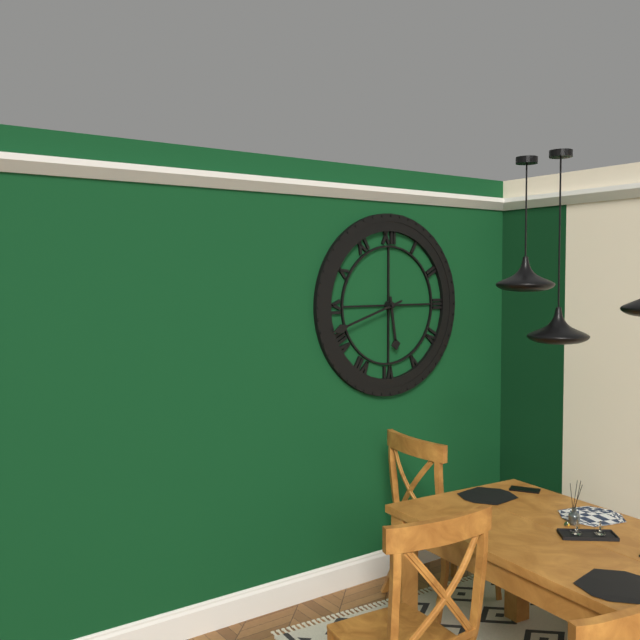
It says 5 h 42 min
